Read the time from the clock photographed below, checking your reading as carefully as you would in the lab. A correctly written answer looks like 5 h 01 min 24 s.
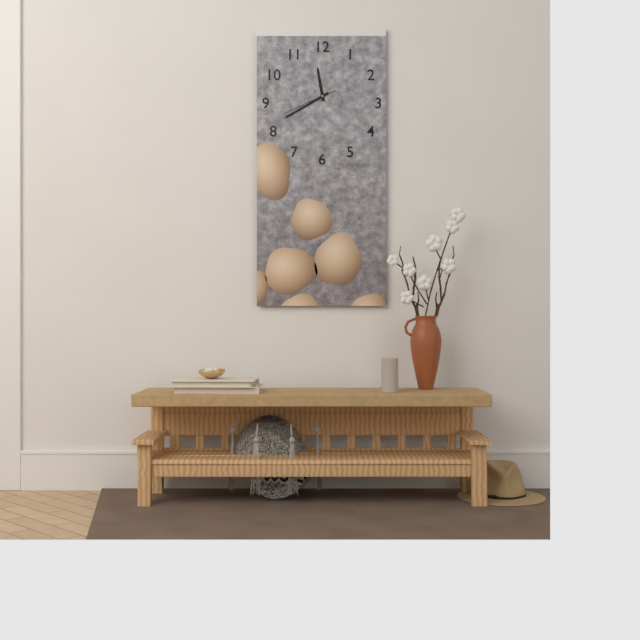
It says 11 h 40 min 41 s
